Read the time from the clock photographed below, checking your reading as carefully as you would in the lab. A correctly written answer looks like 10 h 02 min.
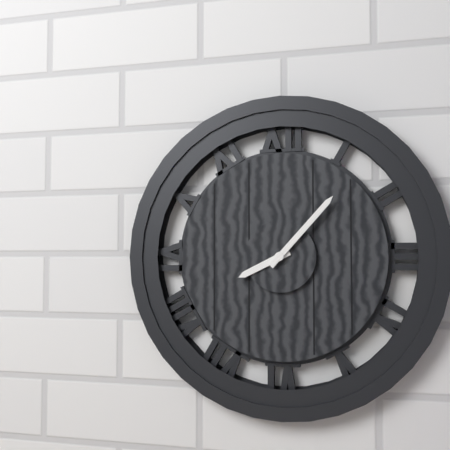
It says 8 h 07 min
